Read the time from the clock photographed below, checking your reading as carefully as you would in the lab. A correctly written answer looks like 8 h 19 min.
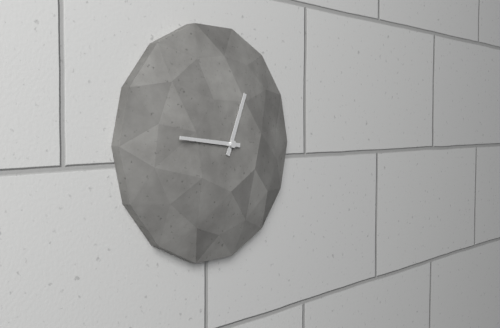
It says 12 h 46 min
